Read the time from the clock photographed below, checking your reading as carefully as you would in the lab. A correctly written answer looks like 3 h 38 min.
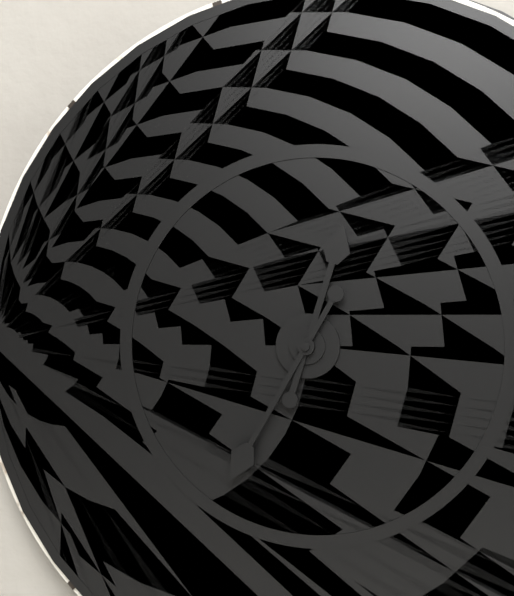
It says 12 h 35 min
